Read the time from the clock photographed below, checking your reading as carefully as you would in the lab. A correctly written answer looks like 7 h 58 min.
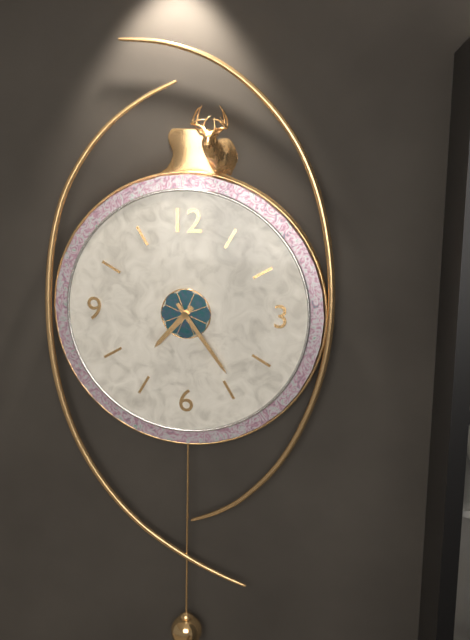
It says 7 h 24 min
